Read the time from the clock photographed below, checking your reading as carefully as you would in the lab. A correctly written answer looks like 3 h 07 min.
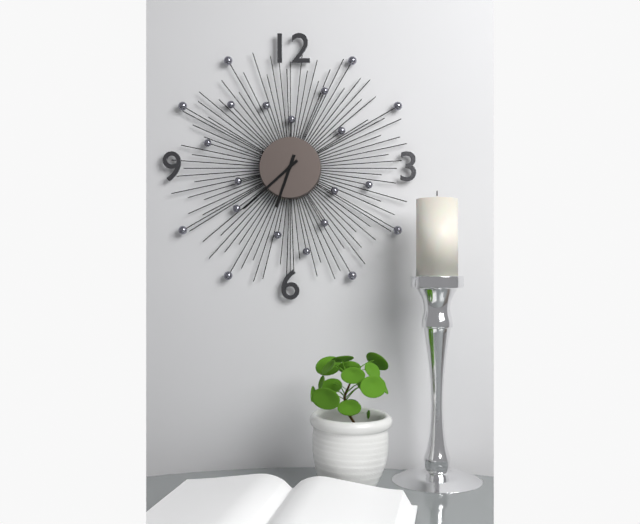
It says 6 h 38 min
